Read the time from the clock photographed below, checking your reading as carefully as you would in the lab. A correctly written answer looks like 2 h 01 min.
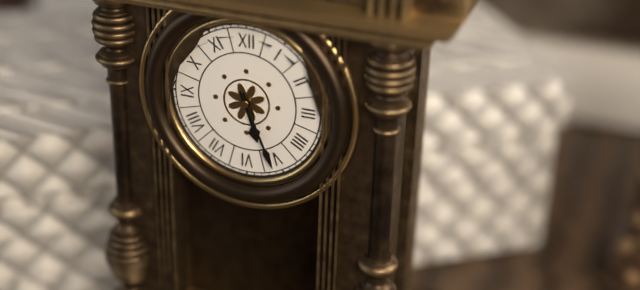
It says 5 h 26 min
